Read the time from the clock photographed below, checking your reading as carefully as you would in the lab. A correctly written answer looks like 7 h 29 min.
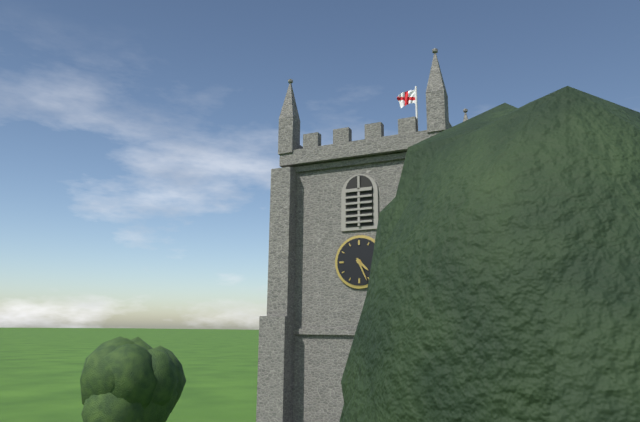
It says 4 h 26 min
